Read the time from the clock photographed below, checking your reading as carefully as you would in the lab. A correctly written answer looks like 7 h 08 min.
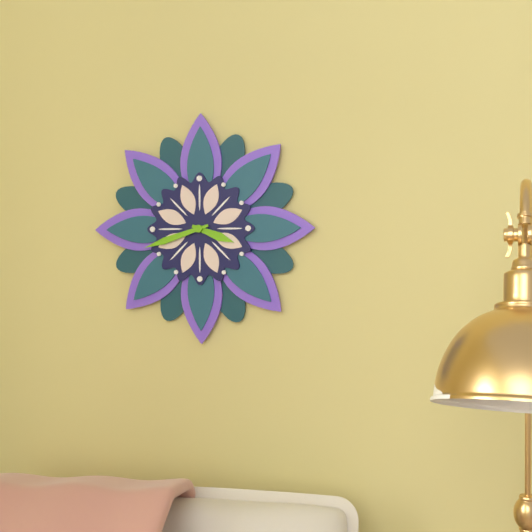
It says 3 h 42 min
